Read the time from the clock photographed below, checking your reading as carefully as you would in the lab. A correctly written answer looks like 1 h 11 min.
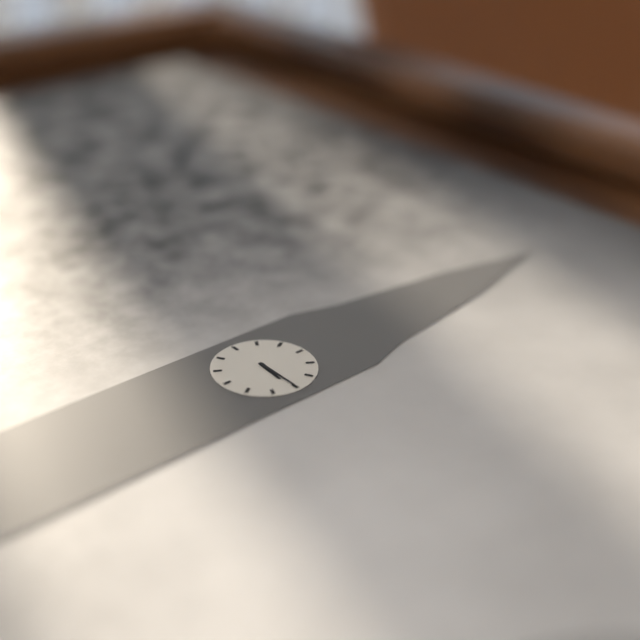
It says 3 h 15 min
